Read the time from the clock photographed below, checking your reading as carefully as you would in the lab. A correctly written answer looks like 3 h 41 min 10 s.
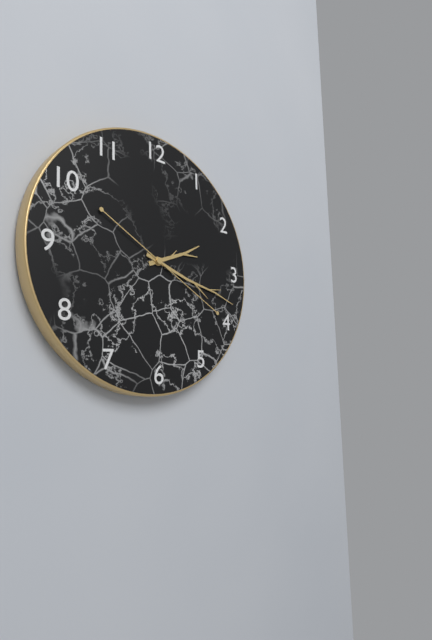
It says 2 h 18 min 20 s
